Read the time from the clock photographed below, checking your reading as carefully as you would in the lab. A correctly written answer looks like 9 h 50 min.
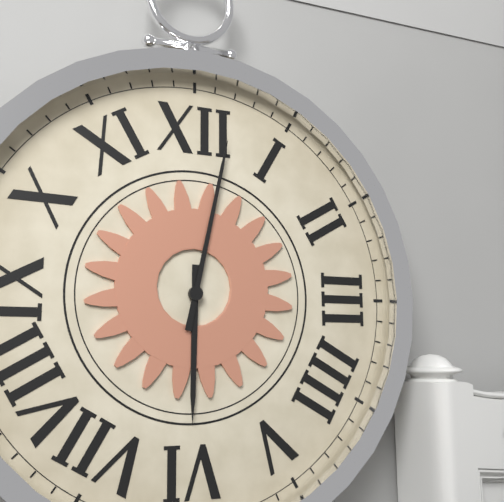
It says 6 h 02 min
